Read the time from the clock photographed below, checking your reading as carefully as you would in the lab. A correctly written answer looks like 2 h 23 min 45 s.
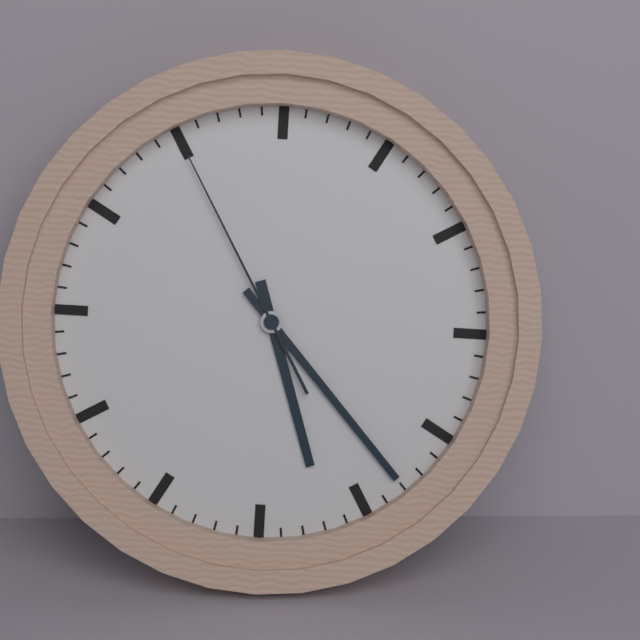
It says 5 h 23 min 55 s
